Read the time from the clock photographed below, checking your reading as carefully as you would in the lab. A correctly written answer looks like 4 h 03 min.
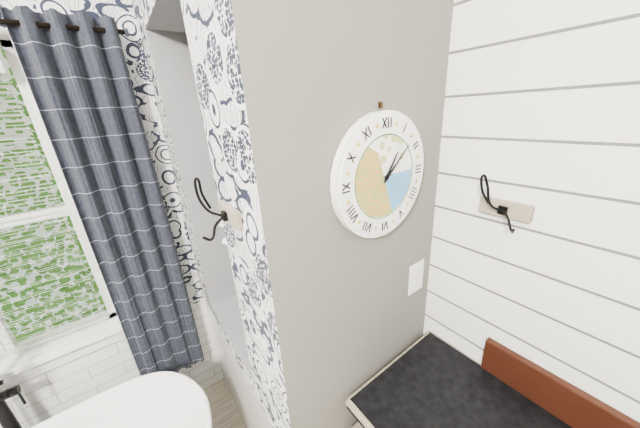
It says 1 h 08 min
